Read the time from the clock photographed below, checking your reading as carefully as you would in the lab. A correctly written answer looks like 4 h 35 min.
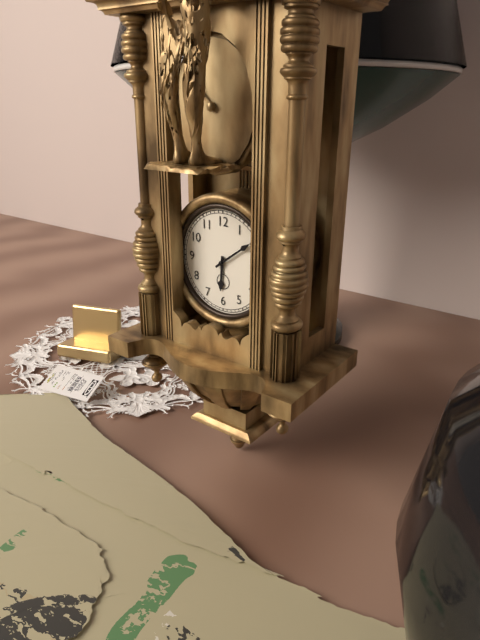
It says 6 h 09 min
